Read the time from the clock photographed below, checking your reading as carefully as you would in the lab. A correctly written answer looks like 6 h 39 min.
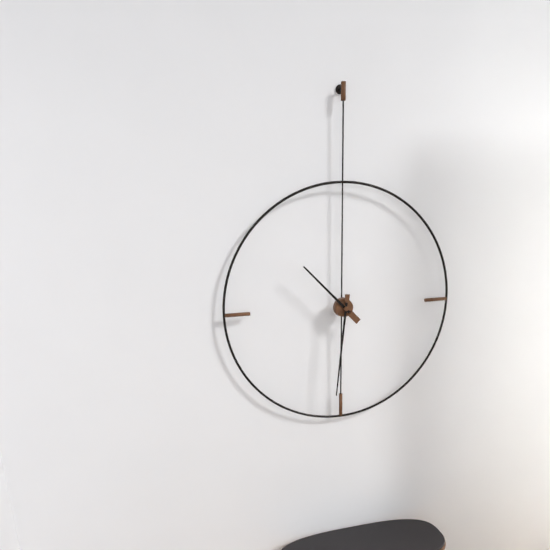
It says 10 h 31 min
